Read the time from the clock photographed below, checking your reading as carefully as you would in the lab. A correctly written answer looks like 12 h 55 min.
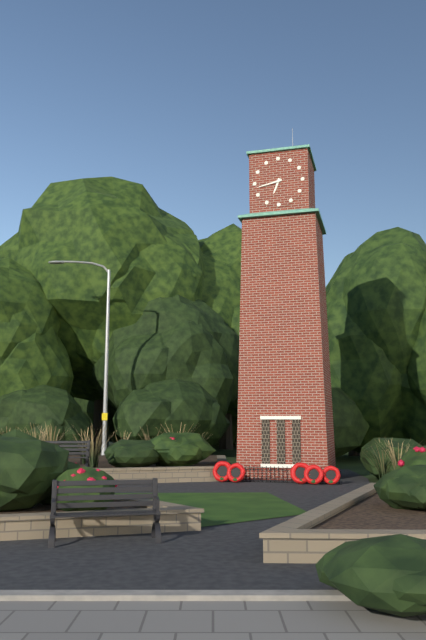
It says 6 h 43 min
